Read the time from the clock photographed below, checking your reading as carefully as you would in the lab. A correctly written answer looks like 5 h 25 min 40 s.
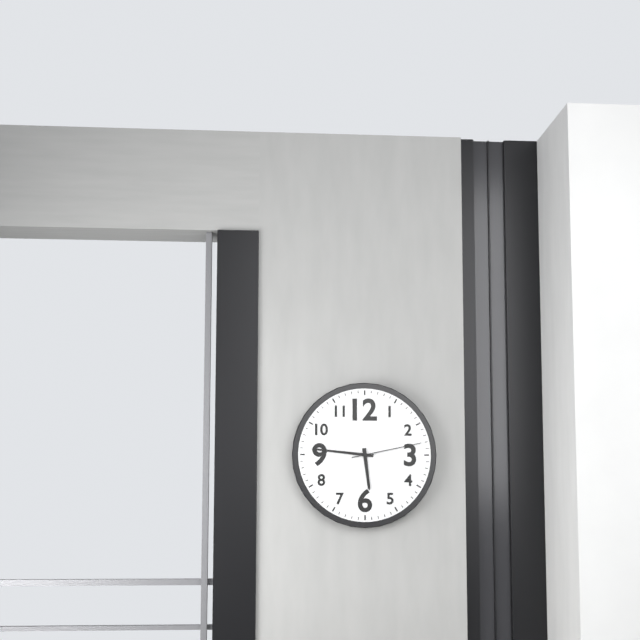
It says 5 h 46 min 13 s
